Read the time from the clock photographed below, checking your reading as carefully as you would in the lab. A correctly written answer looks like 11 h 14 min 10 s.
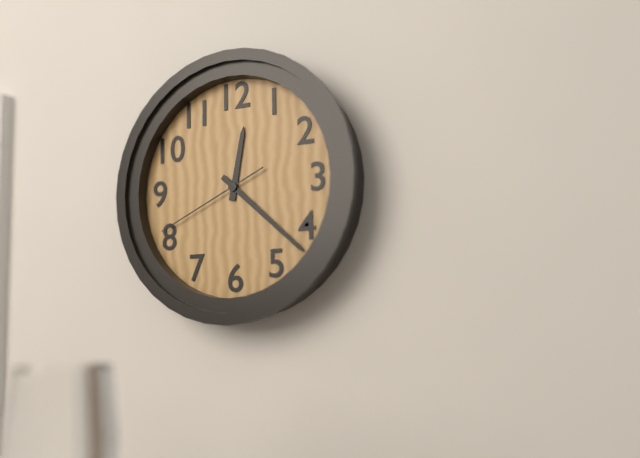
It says 12 h 22 min 41 s
